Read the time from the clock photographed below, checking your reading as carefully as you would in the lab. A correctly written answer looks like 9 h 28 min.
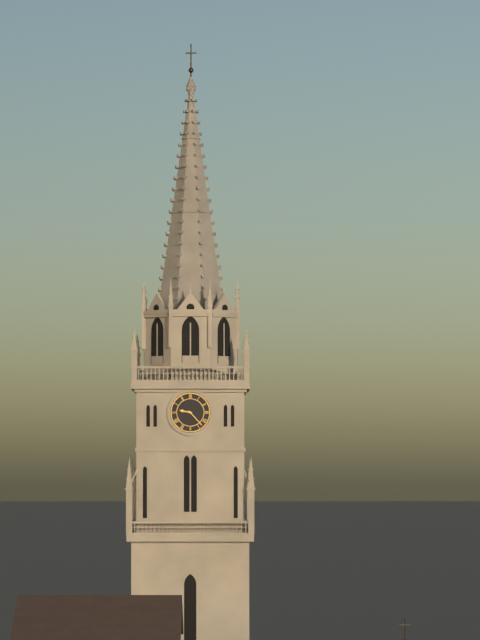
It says 9 h 23 min
